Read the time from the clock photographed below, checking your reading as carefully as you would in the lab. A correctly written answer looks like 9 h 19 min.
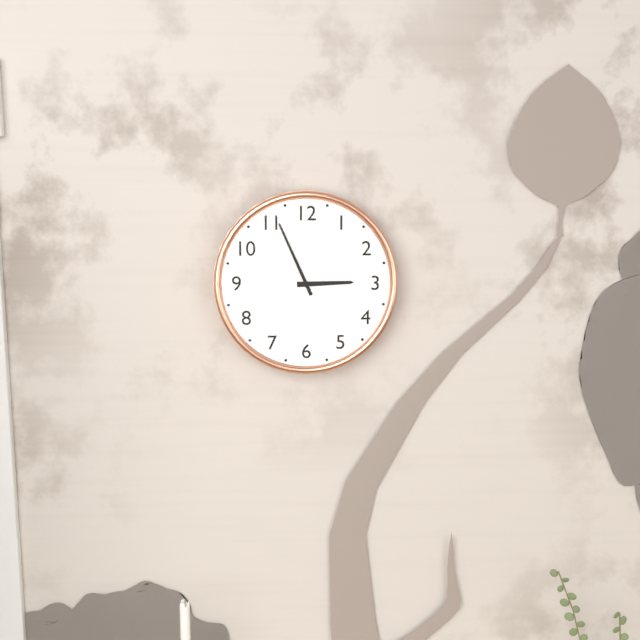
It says 2 h 56 min
